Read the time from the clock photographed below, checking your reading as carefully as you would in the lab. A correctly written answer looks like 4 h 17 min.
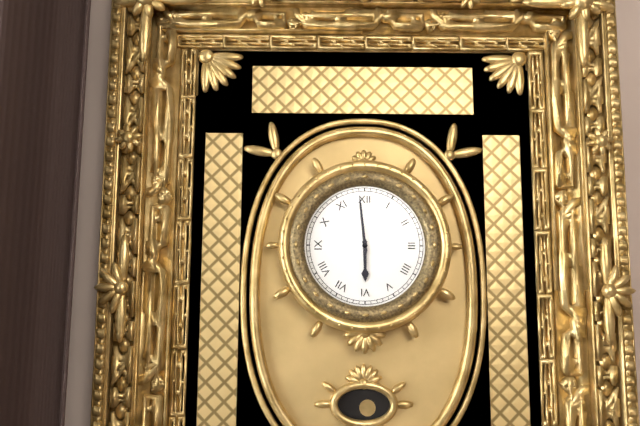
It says 5 h 59 min
